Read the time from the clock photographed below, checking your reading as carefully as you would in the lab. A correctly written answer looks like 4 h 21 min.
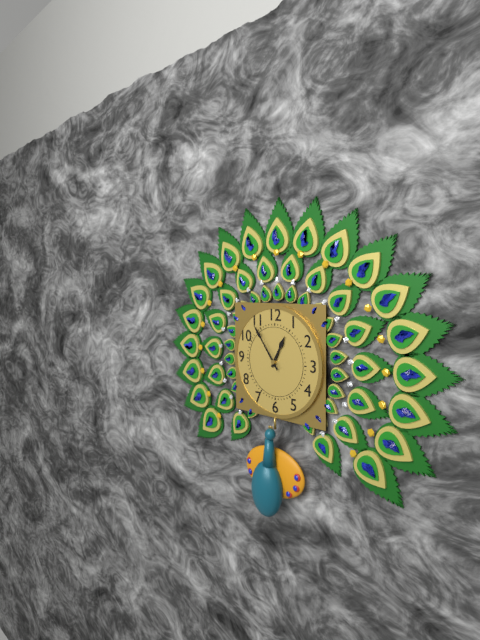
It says 12 h 54 min
